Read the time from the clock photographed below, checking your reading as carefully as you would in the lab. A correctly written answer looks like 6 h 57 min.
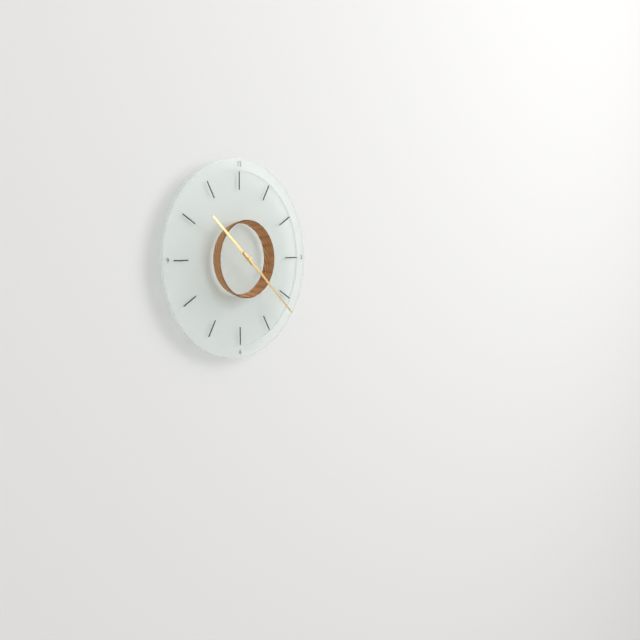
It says 10 h 22 min
